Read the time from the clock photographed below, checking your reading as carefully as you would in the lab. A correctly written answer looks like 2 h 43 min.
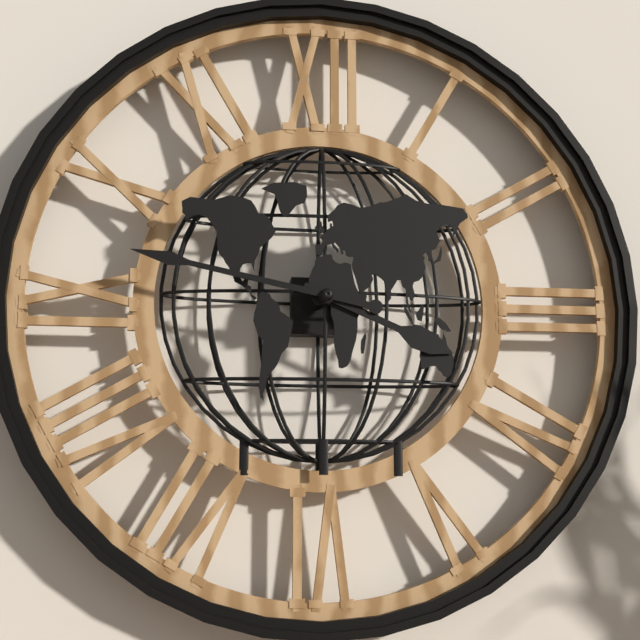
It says 3 h 47 min
